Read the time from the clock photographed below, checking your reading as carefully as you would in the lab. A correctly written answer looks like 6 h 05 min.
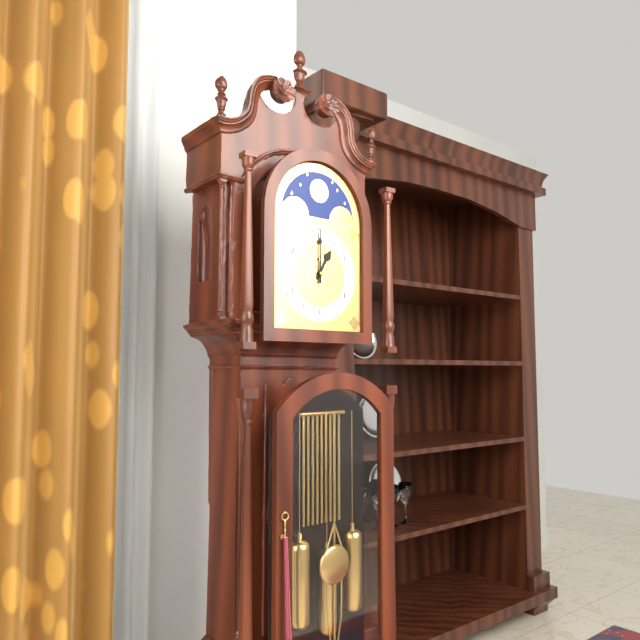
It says 1 h 00 min
